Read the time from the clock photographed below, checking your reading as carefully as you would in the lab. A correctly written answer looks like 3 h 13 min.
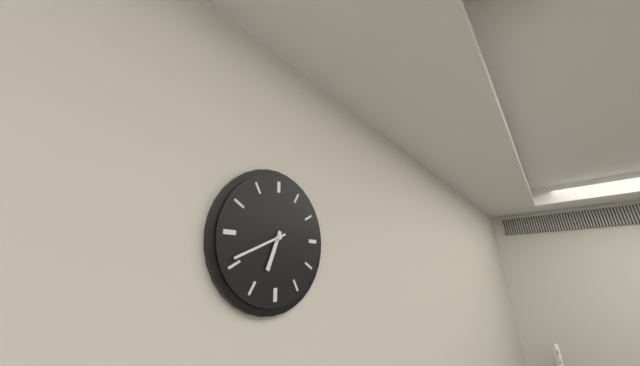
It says 6 h 41 min
